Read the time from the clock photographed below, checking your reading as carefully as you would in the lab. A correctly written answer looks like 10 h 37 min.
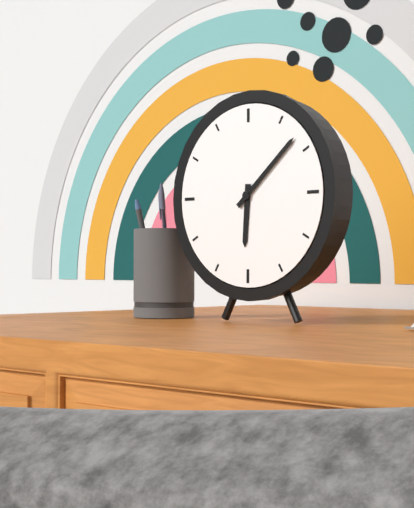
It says 6 h 08 min
